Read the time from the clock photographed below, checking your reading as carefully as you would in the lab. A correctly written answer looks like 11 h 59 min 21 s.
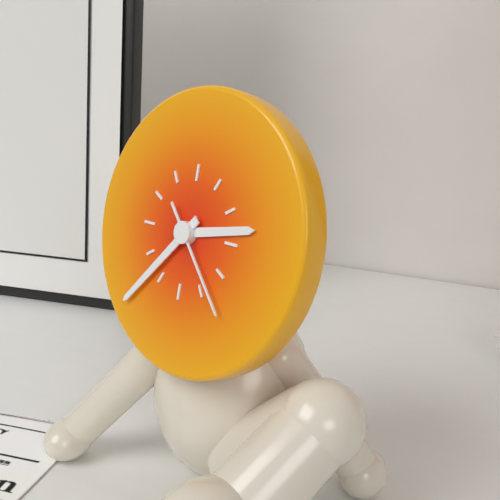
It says 2 h 37 min 23 s
